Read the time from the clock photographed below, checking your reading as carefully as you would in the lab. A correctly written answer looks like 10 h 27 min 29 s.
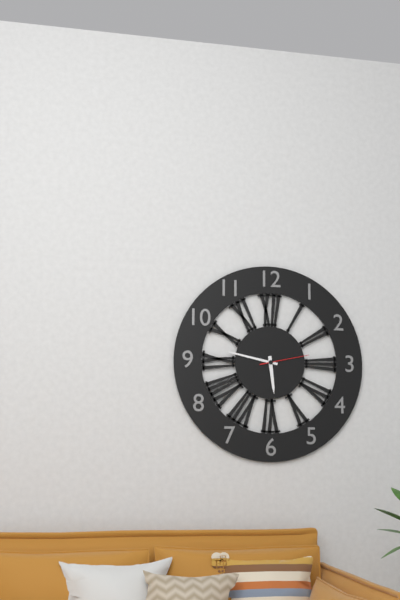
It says 5 h 47 min 13 s
